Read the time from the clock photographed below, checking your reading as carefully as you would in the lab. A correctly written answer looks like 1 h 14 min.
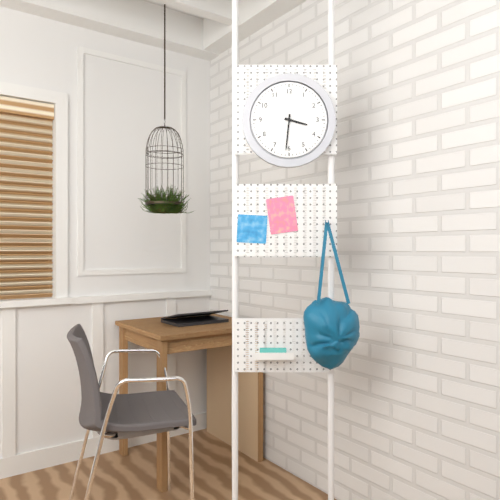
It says 3 h 31 min
